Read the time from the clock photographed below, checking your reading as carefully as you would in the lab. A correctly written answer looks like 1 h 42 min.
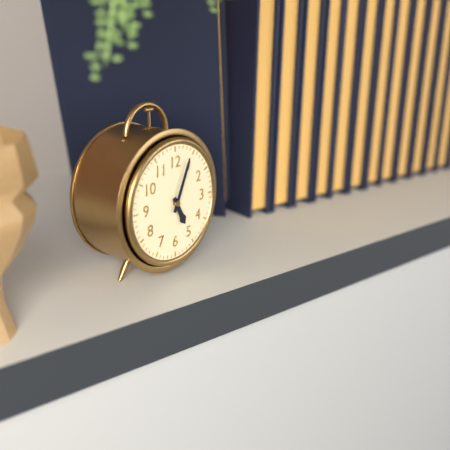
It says 5 h 04 min
